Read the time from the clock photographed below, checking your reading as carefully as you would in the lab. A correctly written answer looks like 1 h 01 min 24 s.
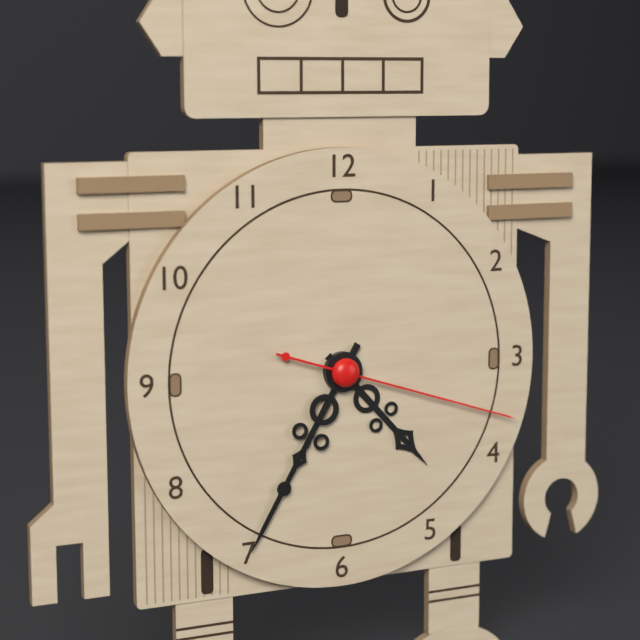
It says 4 h 35 min 18 s
